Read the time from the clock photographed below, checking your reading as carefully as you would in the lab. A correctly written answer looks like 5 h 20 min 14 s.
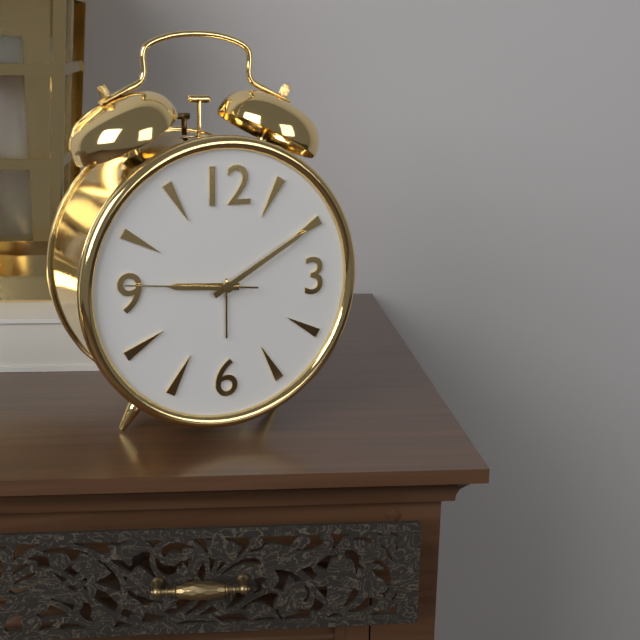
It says 9 h 10 min 46 s
